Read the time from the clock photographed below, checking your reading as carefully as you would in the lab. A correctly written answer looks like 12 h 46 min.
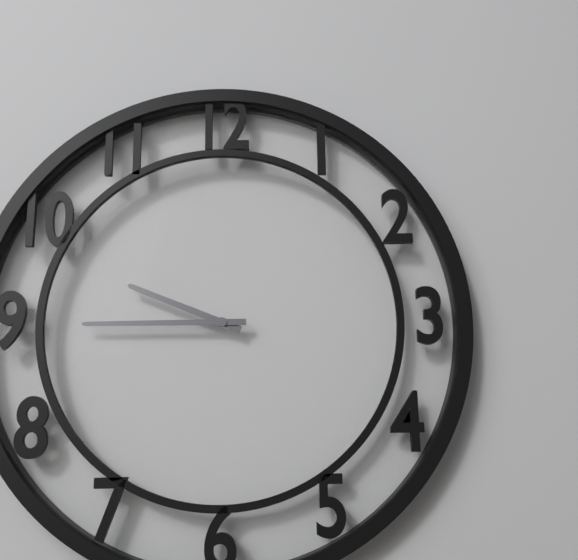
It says 9 h 45 min
